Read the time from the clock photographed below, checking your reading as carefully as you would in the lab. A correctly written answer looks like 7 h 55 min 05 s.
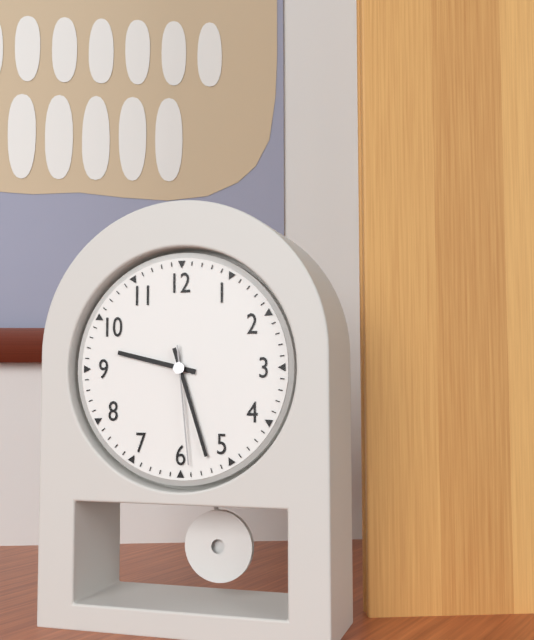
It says 9 h 27 min 29 s
